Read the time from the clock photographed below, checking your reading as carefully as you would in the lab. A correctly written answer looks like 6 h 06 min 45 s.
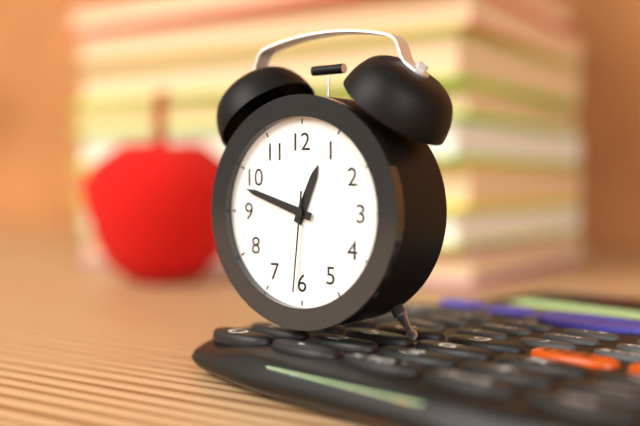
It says 12 h 48 min 31 s
